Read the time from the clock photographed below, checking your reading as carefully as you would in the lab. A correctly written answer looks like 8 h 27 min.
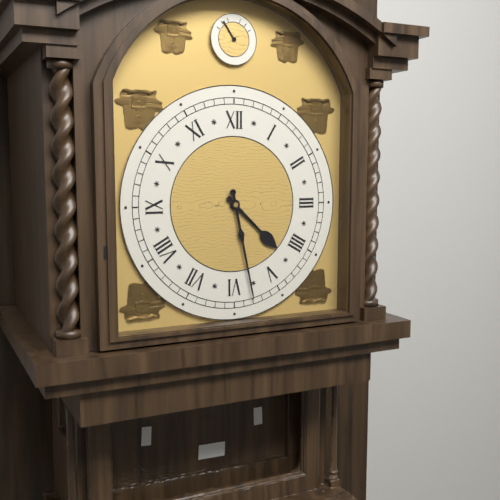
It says 4 h 28 min
